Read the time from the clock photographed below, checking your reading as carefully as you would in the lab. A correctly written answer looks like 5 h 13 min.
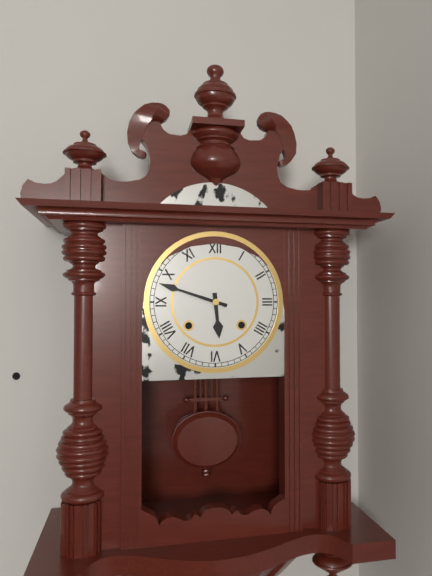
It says 5 h 48 min
